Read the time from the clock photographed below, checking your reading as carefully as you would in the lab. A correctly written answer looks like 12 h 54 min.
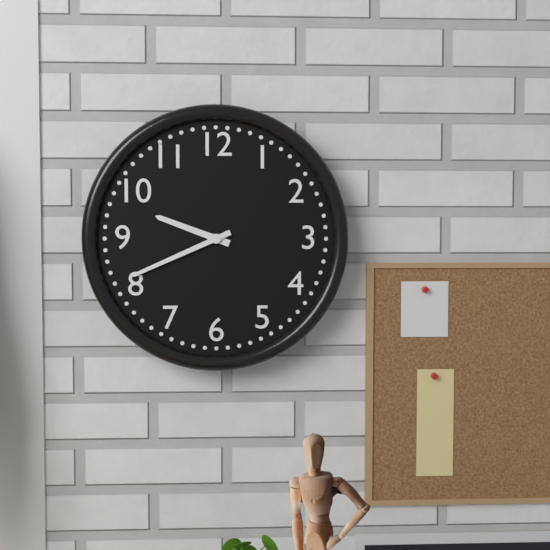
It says 9 h 41 min
